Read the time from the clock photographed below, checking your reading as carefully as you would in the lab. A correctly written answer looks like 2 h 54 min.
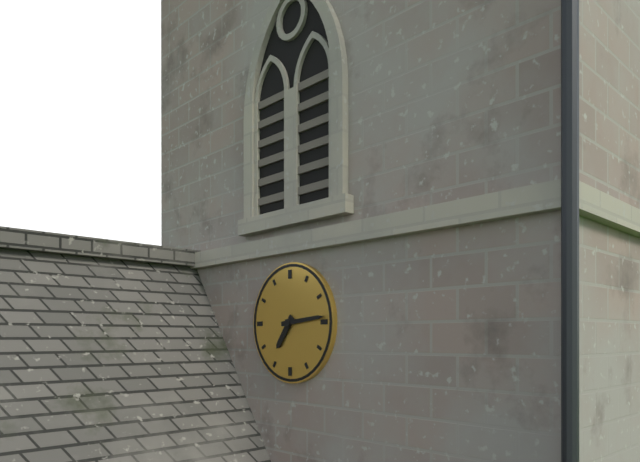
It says 7 h 14 min
